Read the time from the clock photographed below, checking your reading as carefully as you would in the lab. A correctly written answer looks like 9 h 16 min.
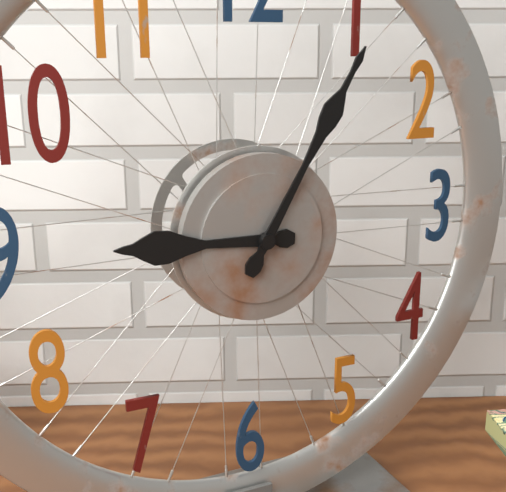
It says 9 h 05 min
